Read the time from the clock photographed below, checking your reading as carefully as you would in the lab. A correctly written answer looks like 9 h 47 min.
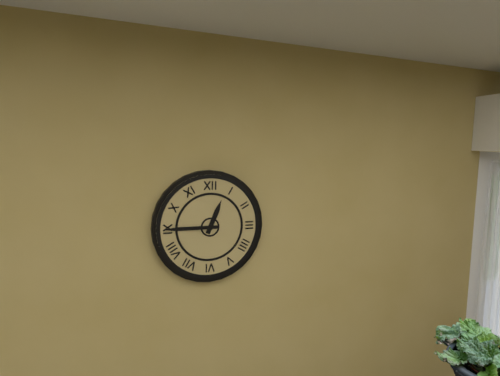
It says 12 h 45 min
